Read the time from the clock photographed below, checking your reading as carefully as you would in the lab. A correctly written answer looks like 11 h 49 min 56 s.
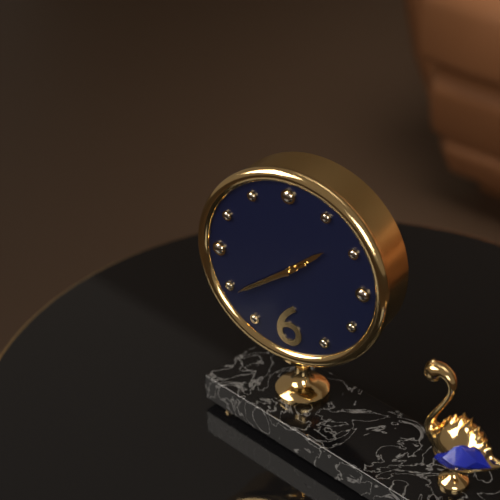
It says 1 h 39 min 39 s
